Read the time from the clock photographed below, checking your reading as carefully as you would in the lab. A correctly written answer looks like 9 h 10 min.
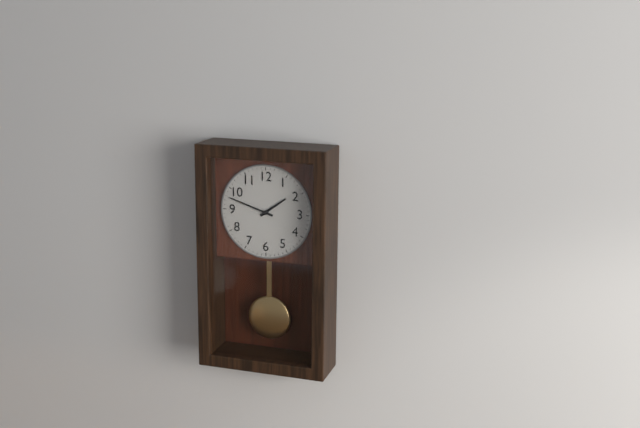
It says 1 h 48 min
